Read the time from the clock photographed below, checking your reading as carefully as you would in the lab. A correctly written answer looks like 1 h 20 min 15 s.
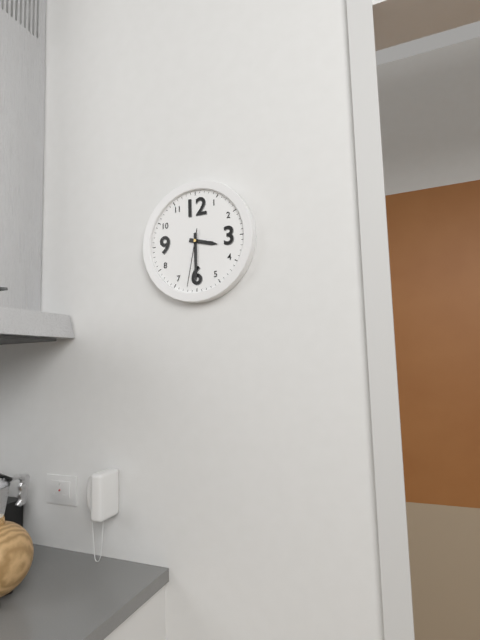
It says 3 h 30 min 32 s
